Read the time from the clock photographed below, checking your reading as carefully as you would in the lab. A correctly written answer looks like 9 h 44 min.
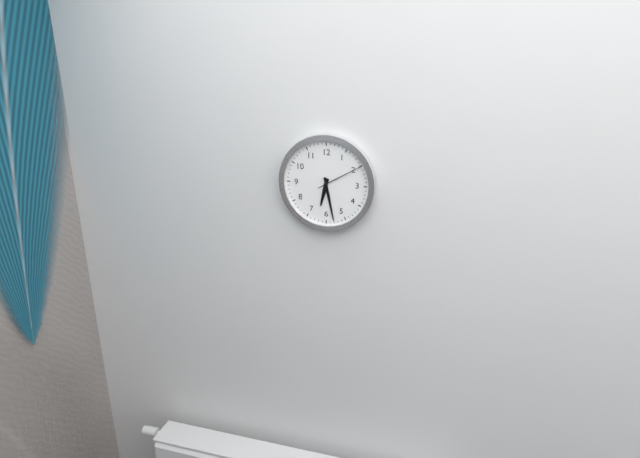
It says 6 h 28 min
